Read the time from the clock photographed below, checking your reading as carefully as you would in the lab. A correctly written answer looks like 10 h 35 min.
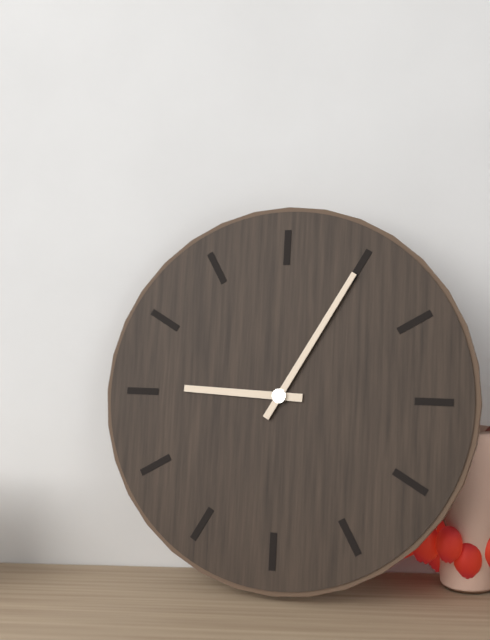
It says 9 h 05 min
